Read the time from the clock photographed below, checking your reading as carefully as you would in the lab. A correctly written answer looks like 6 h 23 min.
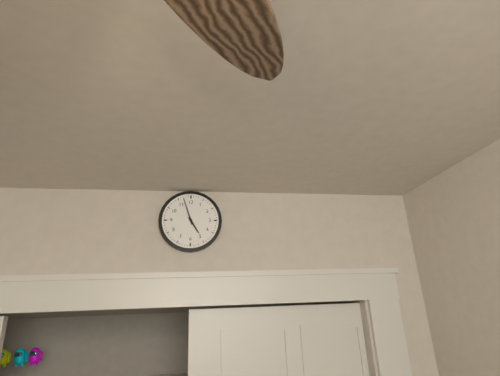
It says 4 h 57 min
